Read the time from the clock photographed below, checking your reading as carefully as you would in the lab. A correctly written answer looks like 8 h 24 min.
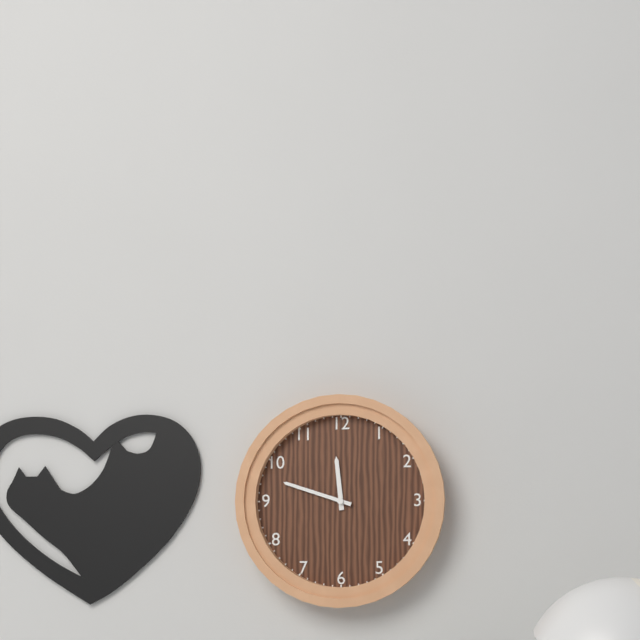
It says 11 h 48 min
